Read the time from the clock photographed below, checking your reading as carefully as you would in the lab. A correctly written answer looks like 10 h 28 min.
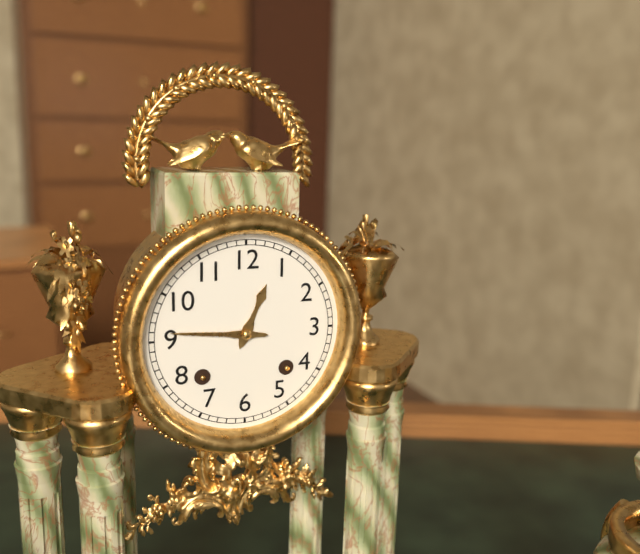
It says 12 h 46 min
